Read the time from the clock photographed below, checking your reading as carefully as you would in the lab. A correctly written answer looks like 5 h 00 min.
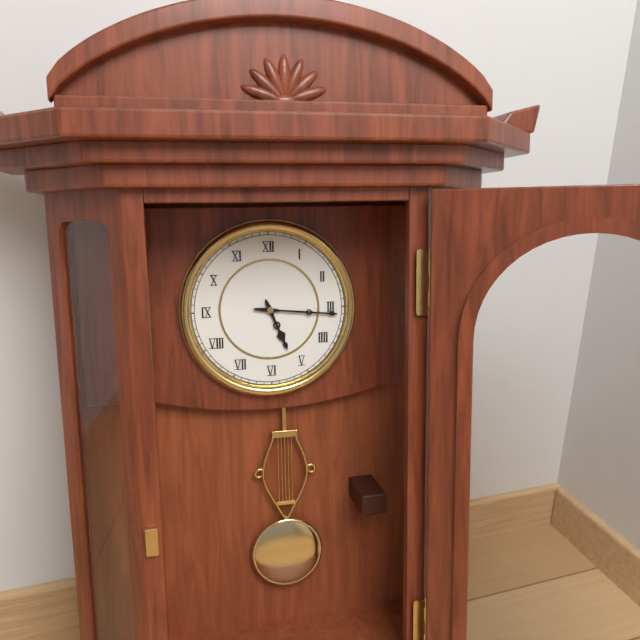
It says 5 h 16 min
